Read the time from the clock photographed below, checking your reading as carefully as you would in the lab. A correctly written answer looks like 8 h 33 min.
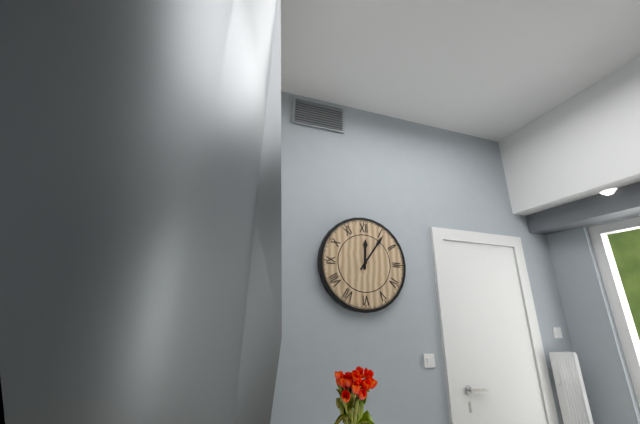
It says 12 h 06 min
